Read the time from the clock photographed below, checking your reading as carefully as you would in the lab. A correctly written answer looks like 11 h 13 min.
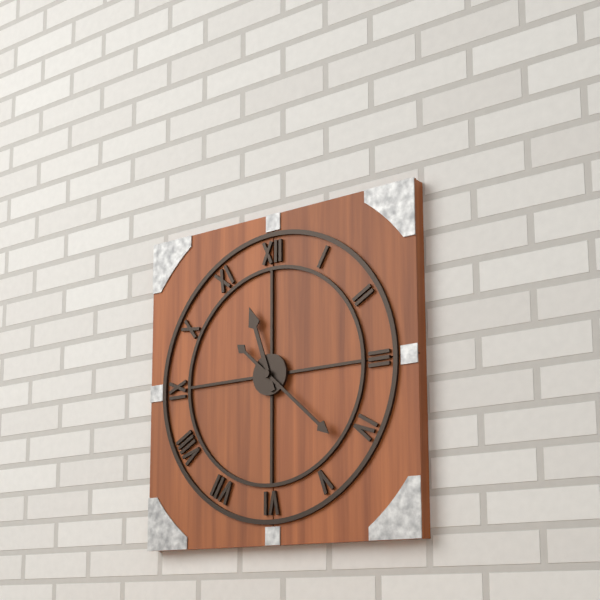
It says 11 h 22 min
